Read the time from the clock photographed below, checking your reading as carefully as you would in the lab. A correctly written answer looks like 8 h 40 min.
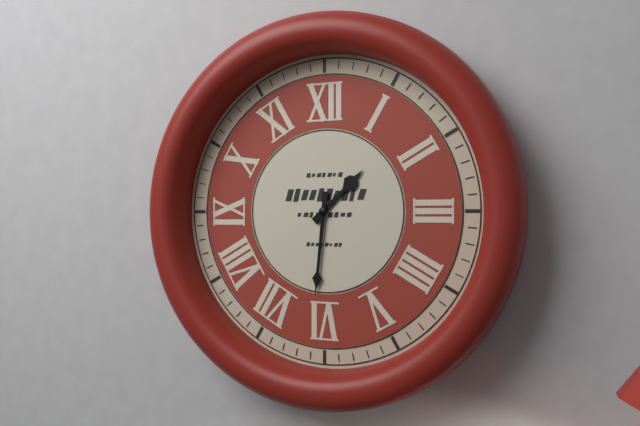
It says 1 h 31 min
